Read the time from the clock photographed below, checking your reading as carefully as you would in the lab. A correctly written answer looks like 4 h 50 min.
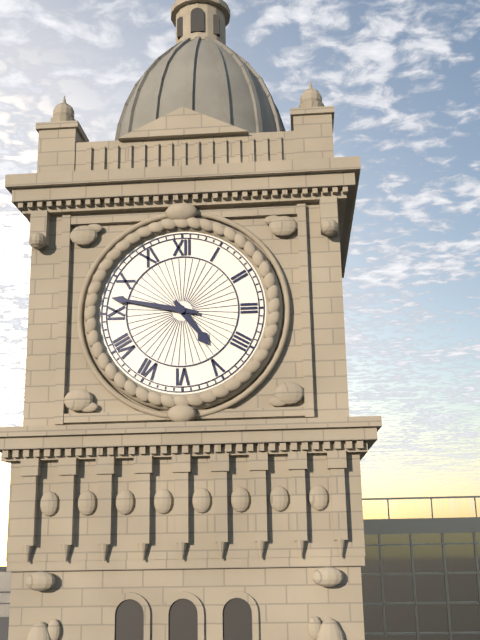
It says 4 h 47 min
